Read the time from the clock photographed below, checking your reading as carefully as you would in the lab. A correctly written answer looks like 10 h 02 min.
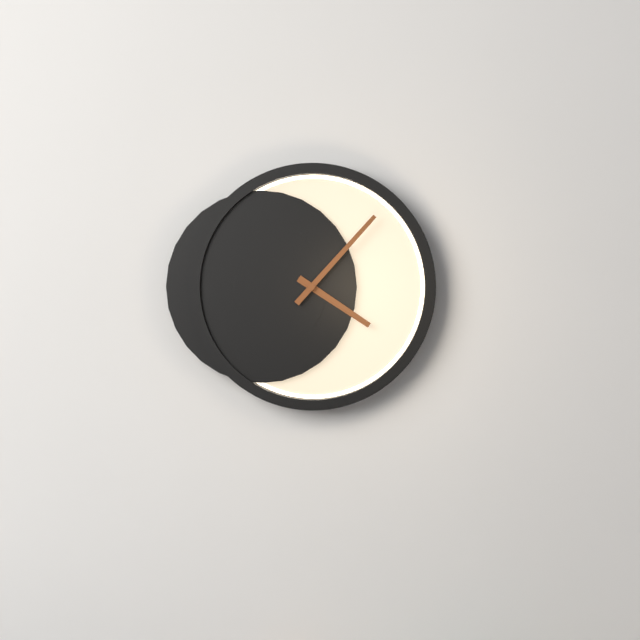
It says 4 h 07 min
